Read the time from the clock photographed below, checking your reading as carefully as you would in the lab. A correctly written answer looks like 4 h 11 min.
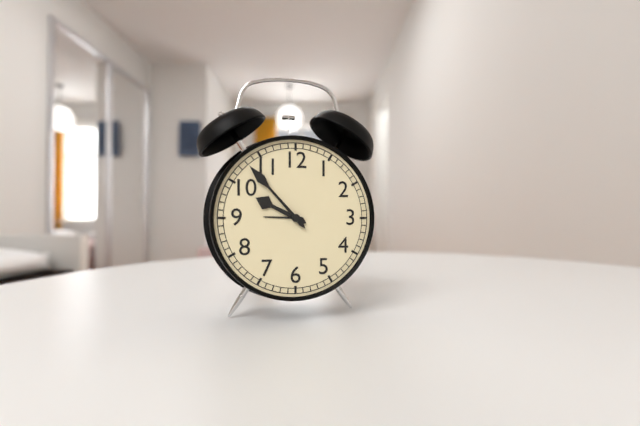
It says 9 h 53 min
